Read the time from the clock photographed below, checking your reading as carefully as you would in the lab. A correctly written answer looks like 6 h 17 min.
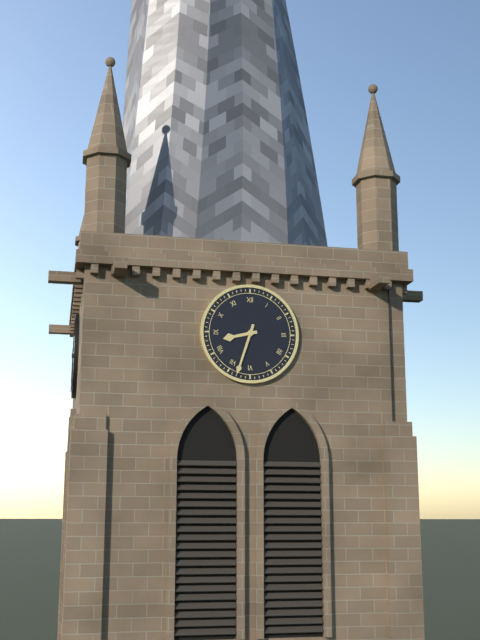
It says 8 h 33 min
